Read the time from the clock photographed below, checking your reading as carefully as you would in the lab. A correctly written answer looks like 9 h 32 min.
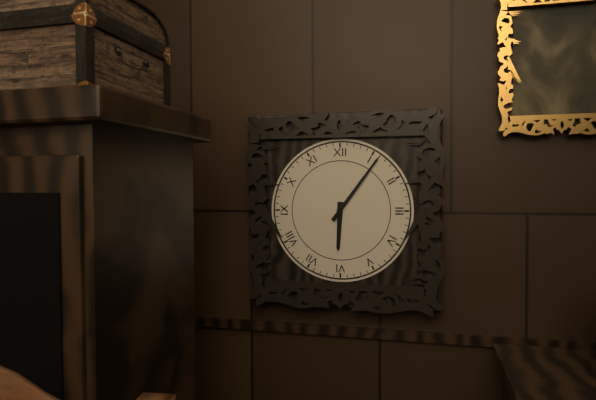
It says 6 h 06 min
